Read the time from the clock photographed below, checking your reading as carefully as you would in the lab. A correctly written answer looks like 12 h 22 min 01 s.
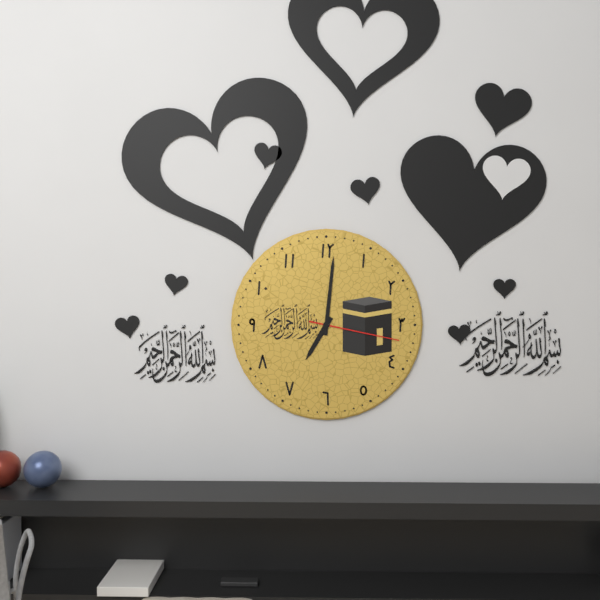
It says 7 h 01 min 17 s
